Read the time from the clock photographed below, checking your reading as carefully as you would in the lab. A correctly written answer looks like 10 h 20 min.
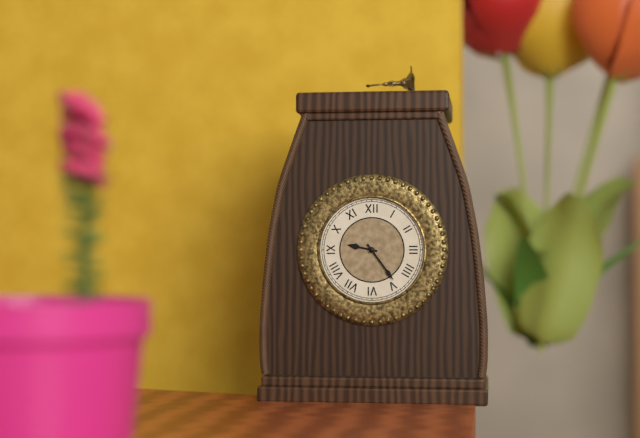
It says 9 h 24 min
